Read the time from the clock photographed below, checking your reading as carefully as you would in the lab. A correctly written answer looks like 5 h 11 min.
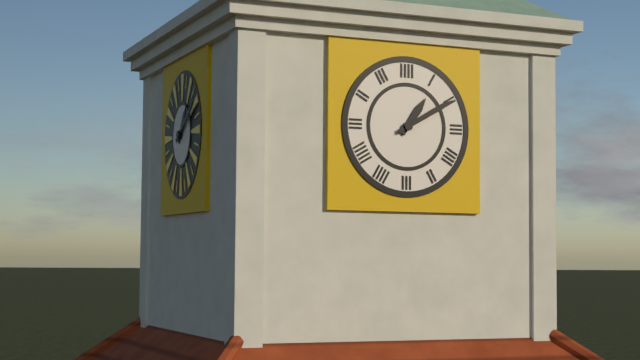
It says 1 h 10 min
